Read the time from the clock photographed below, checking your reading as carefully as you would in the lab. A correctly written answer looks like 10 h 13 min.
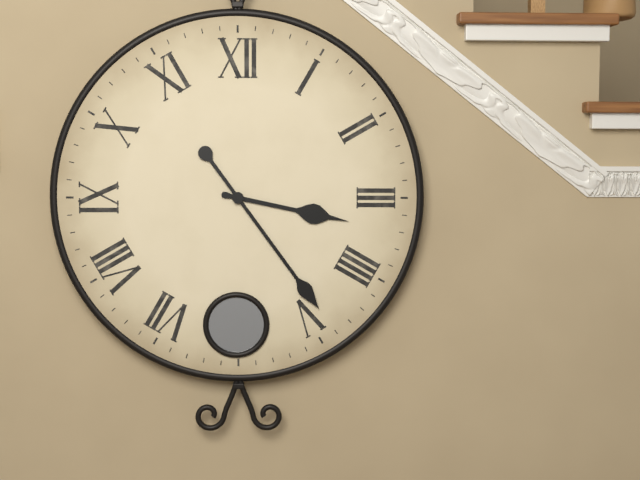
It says 3 h 24 min
